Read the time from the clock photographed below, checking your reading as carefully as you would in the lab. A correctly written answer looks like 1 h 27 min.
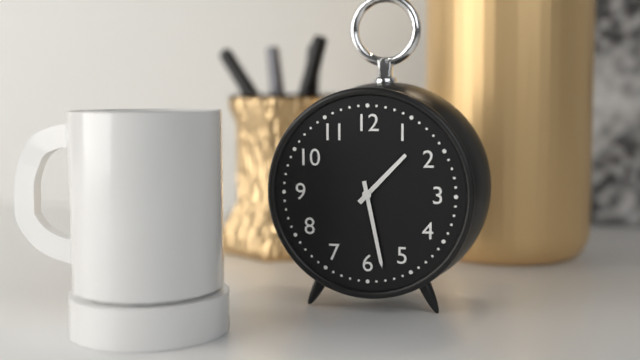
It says 1 h 28 min
